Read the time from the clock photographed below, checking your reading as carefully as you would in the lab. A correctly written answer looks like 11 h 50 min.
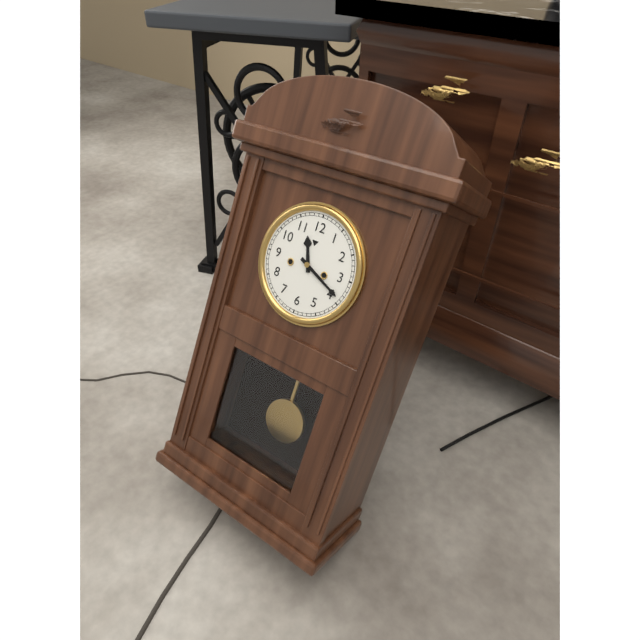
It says 11 h 19 min
